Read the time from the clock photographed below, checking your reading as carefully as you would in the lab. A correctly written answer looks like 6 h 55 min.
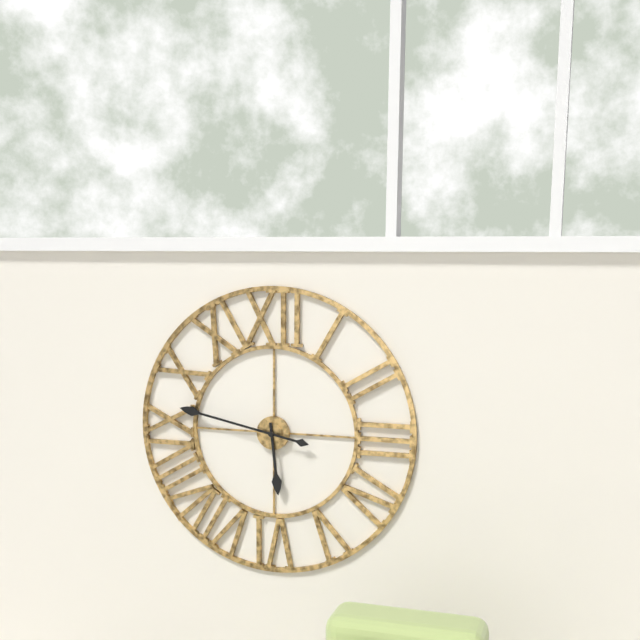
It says 5 h 47 min
